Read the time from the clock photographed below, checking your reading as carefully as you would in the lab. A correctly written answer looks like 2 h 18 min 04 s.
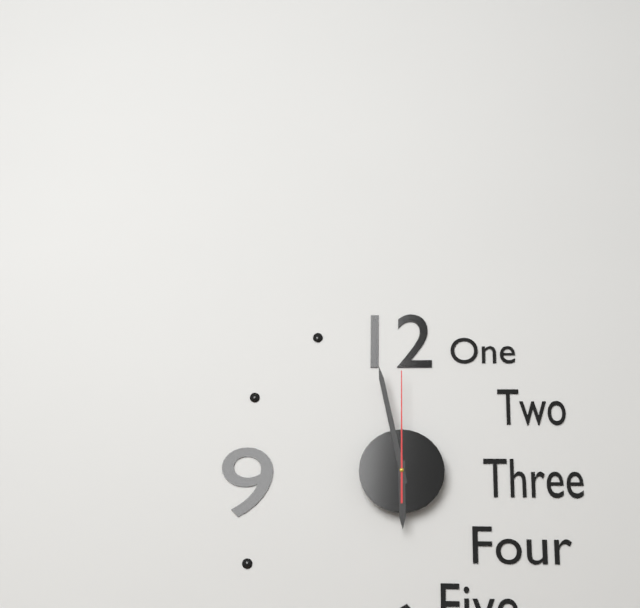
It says 5 h 58 min 00 s
